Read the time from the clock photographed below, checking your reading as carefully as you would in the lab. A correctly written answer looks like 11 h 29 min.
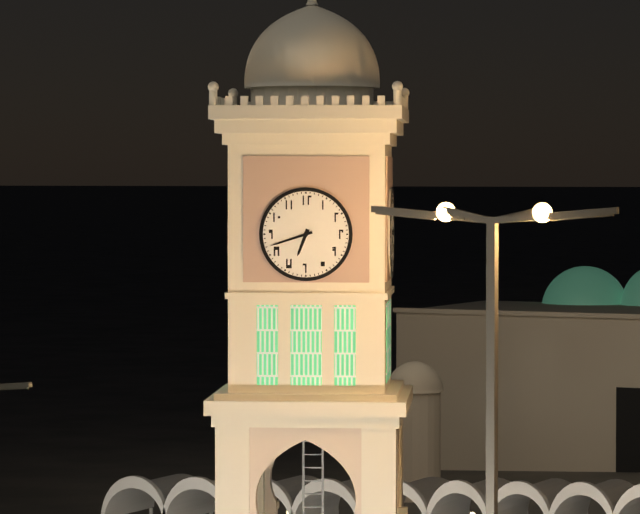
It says 6 h 42 min
